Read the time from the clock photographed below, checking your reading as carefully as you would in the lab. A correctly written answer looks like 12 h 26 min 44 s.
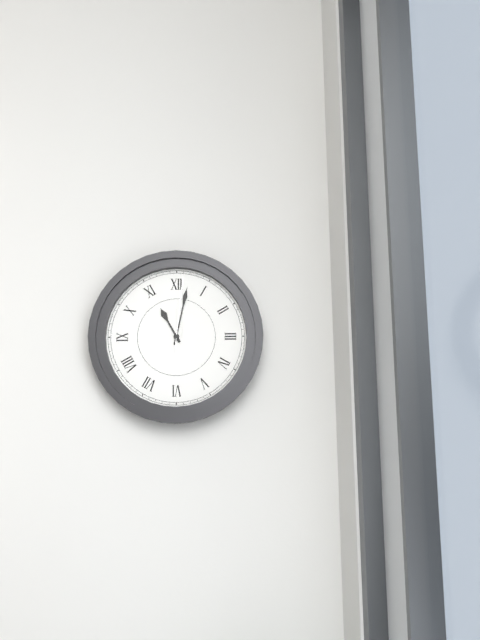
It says 11 h 02 min 01 s
